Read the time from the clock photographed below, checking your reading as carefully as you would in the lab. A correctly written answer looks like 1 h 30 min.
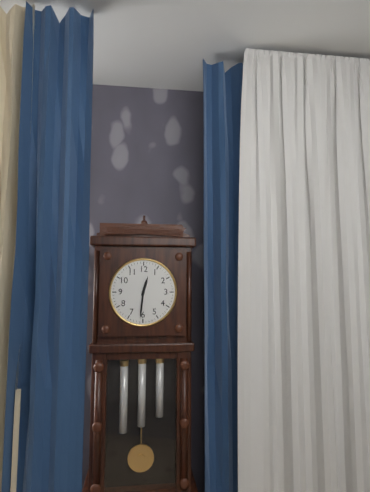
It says 12 h 31 min
